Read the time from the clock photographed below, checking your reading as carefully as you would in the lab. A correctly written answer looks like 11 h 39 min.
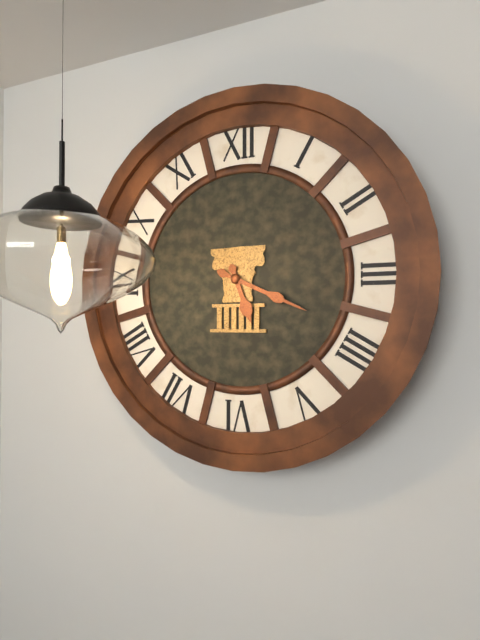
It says 5 h 19 min
